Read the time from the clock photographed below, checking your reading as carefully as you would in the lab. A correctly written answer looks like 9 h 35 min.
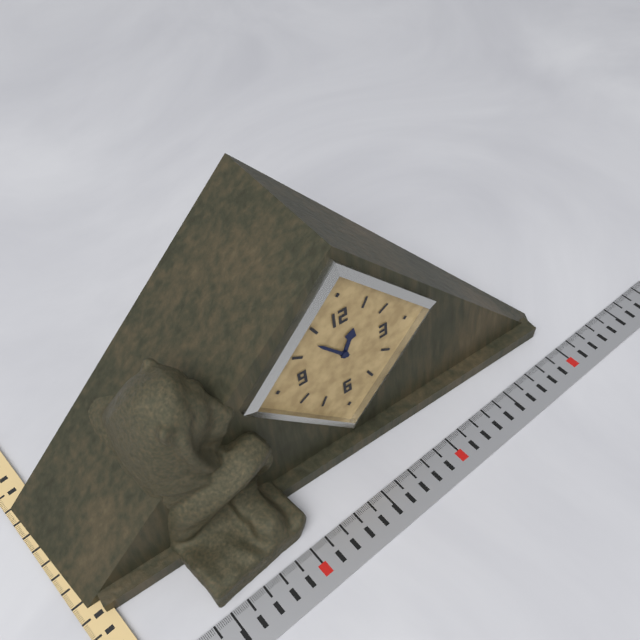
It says 12 h 53 min
